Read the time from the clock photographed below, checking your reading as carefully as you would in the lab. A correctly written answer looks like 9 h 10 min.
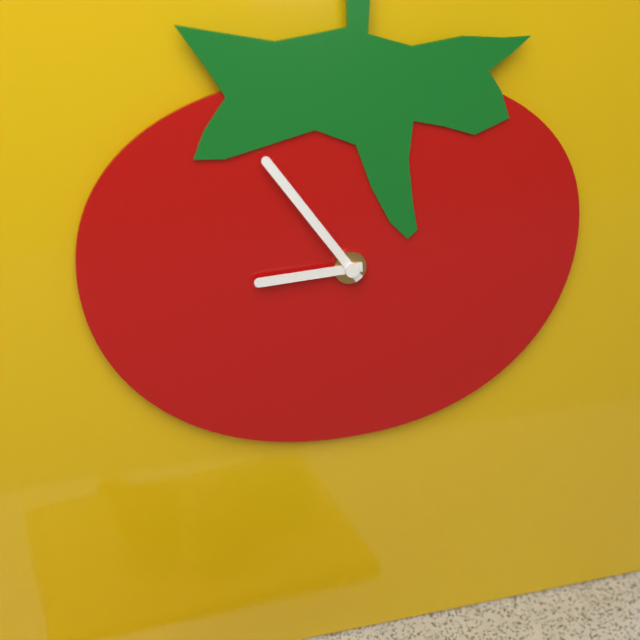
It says 8 h 54 min
